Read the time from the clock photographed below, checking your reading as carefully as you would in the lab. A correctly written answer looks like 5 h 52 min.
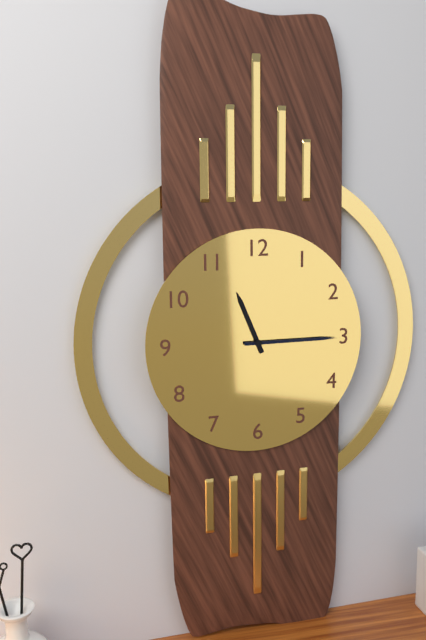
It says 11 h 15 min
